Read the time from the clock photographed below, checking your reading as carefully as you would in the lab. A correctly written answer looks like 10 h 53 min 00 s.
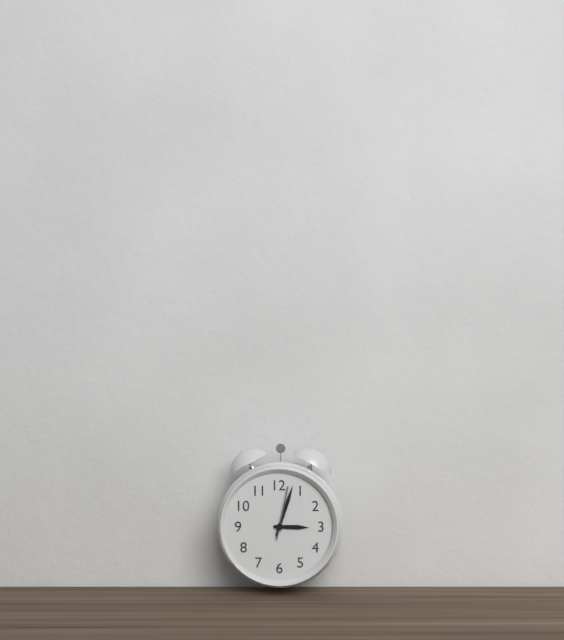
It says 3 h 03 min 02 s
